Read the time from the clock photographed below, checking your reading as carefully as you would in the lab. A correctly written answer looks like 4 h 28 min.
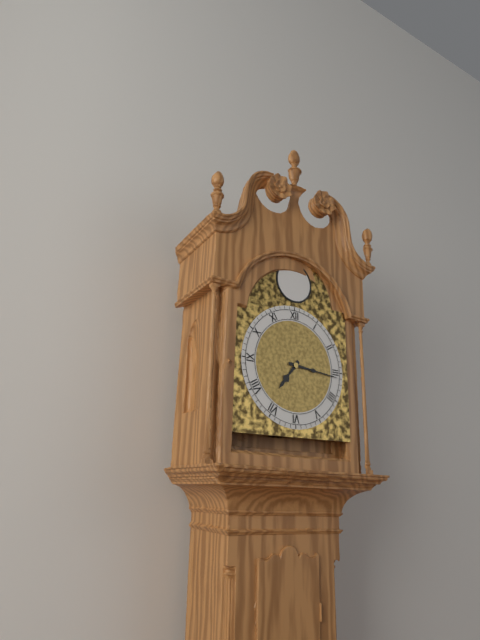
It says 7 h 16 min
